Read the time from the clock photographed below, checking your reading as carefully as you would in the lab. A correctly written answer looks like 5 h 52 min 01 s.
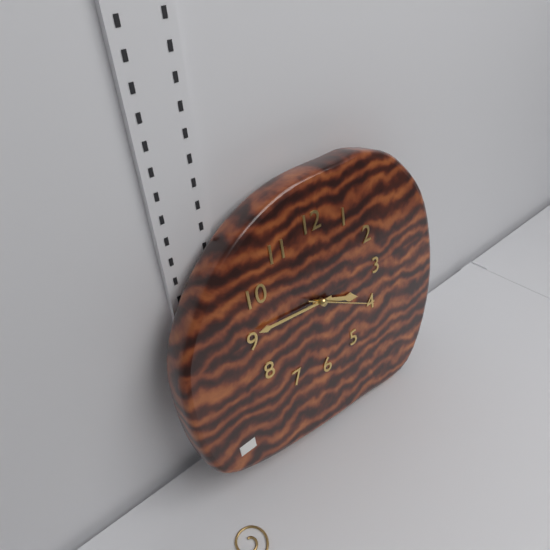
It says 3 h 46 min 20 s
